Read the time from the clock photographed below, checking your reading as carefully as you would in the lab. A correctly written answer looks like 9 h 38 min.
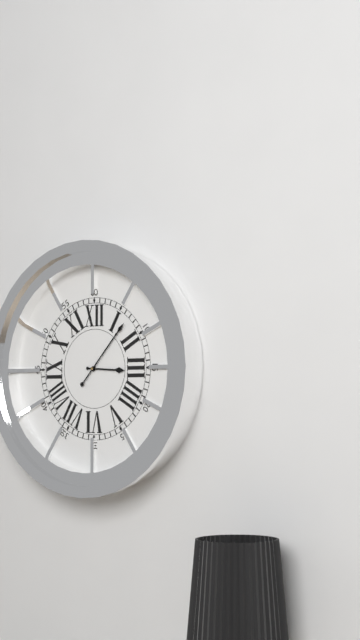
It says 3 h 07 min
